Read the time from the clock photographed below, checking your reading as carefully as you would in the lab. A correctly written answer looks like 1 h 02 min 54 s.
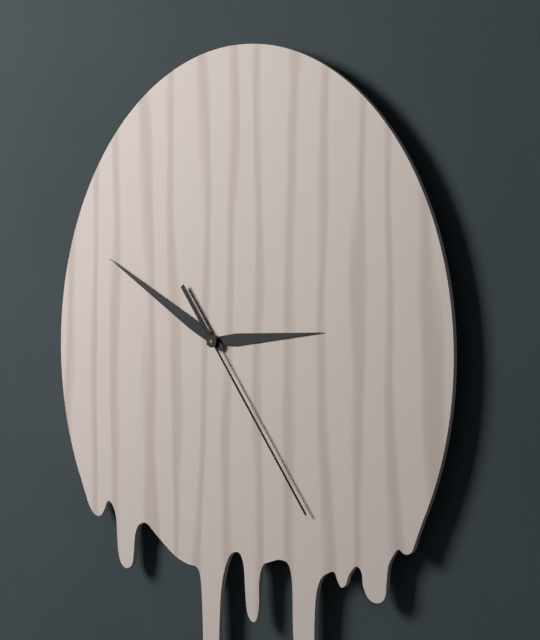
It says 2 h 50 min 24 s
